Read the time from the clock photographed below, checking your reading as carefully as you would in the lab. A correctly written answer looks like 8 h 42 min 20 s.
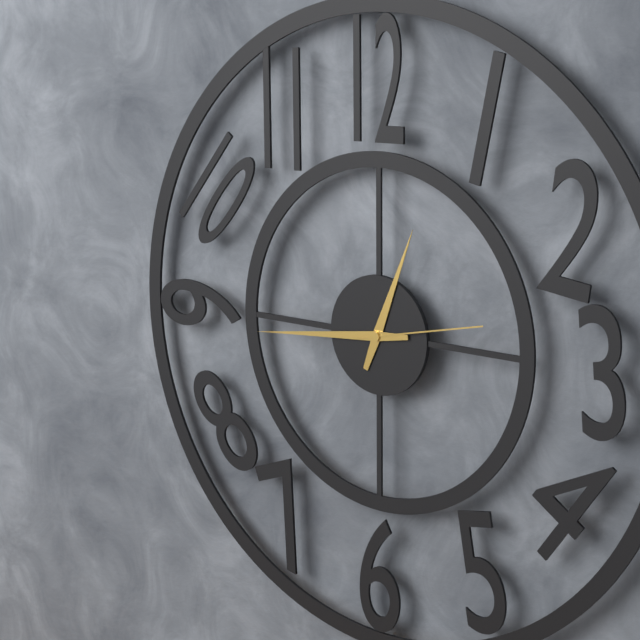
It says 12 h 44 min 13 s
